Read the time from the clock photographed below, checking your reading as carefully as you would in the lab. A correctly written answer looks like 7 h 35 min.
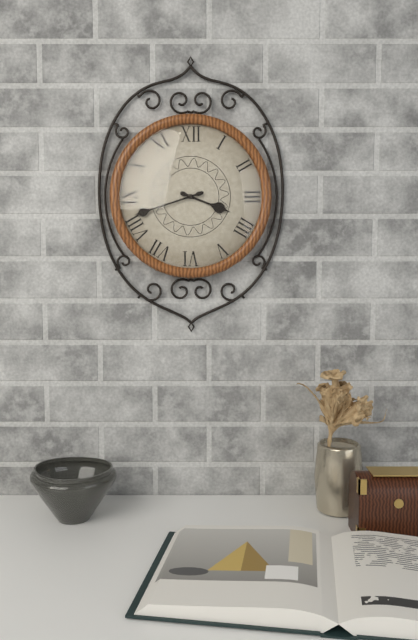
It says 3 h 42 min
